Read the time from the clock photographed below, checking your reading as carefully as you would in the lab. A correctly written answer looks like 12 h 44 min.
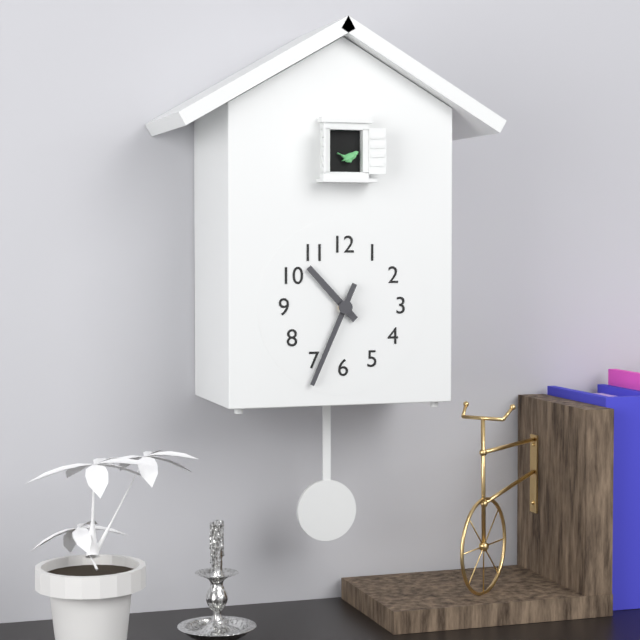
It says 10 h 34 min
